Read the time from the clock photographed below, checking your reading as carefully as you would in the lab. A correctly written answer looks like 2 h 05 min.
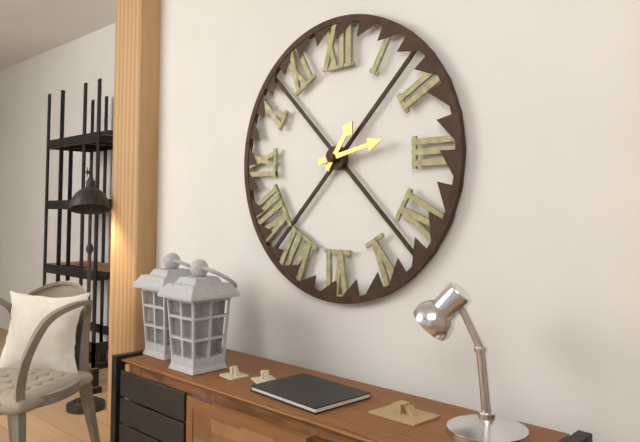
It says 1 h 13 min
